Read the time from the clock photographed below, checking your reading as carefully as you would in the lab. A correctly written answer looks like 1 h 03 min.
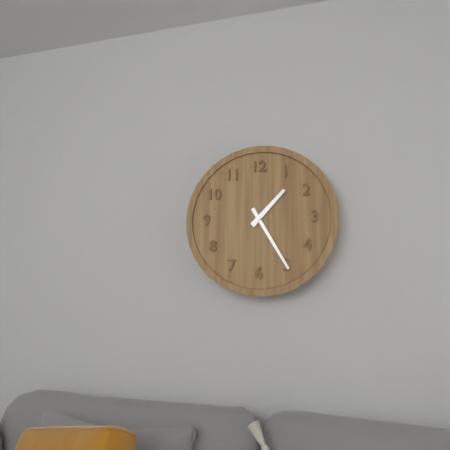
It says 1 h 25 min
